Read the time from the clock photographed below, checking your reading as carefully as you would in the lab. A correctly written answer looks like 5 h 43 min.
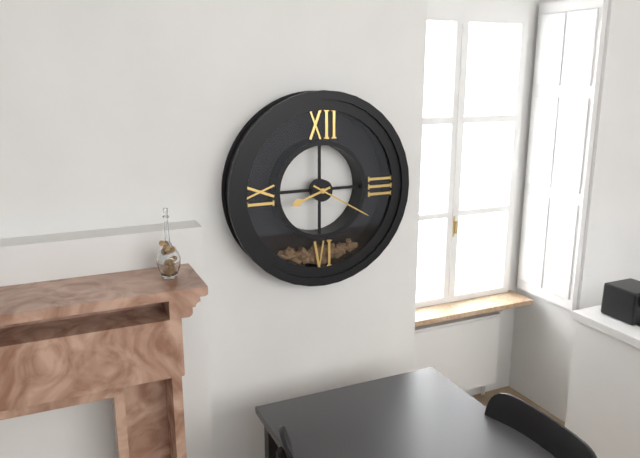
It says 8 h 20 min
